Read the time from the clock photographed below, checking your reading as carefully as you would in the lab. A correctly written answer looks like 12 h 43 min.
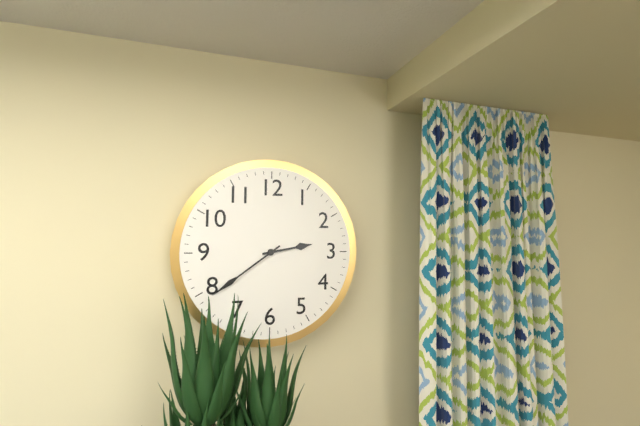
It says 2 h 39 min
